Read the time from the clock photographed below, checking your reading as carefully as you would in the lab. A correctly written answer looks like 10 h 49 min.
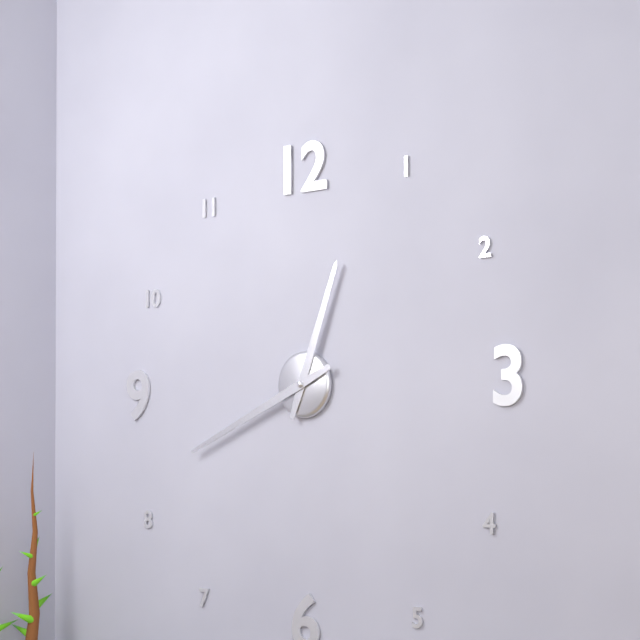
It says 12 h 41 min
